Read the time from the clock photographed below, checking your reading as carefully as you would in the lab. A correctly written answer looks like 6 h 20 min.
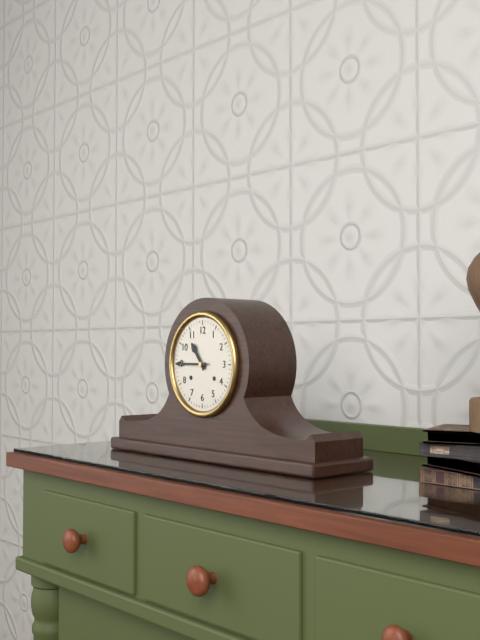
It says 10 h 45 min
